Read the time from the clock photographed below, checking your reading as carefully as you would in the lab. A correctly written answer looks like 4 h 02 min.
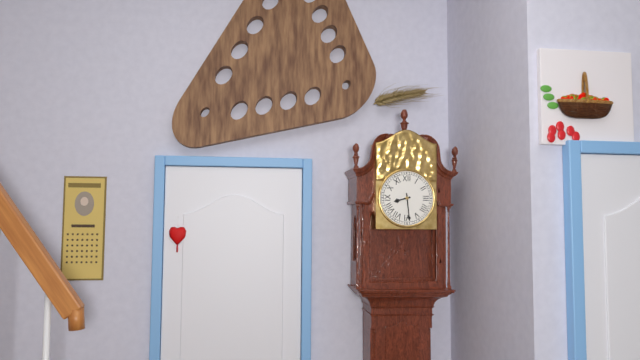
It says 8 h 29 min
